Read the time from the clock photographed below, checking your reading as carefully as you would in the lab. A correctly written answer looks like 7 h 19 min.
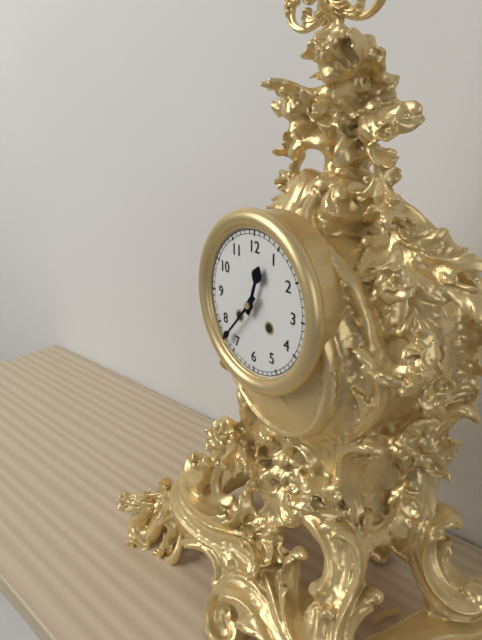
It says 12 h 37 min
